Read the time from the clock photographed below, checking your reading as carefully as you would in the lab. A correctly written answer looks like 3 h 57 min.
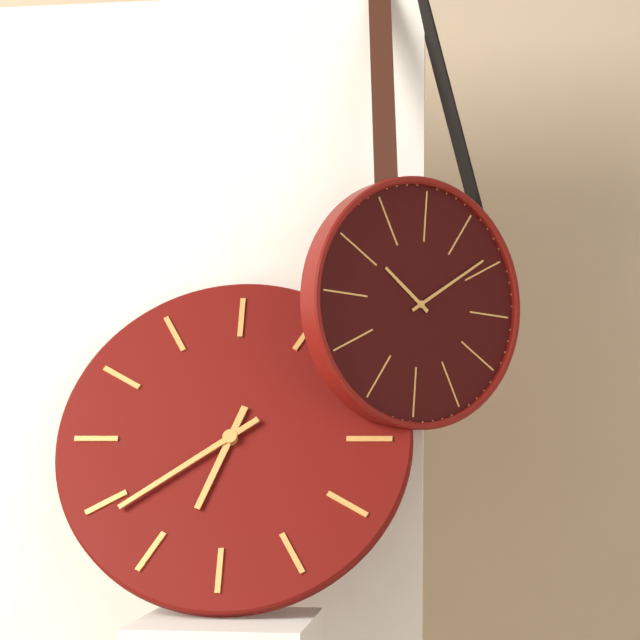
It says 6 h 39 min
